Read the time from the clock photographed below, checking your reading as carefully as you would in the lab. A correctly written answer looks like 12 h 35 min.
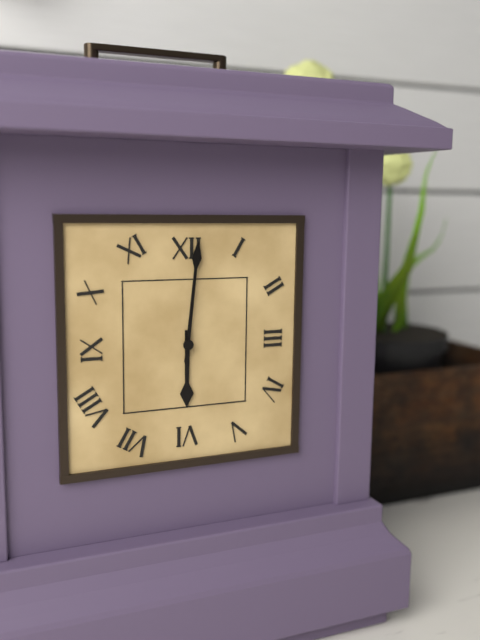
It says 6 h 01 min
